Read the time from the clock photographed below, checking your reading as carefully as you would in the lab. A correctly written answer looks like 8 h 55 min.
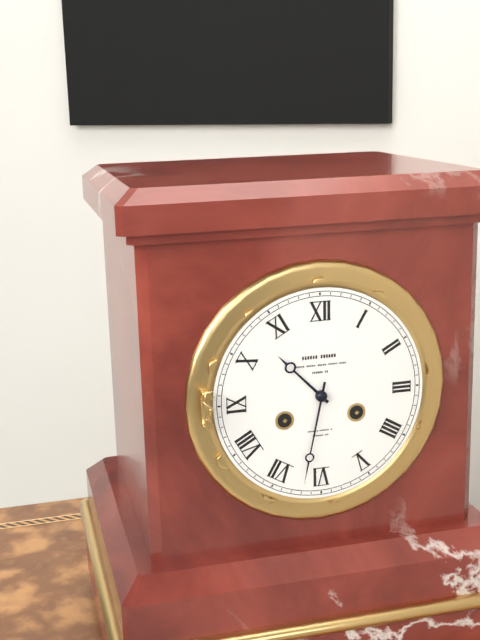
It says 10 h 32 min
